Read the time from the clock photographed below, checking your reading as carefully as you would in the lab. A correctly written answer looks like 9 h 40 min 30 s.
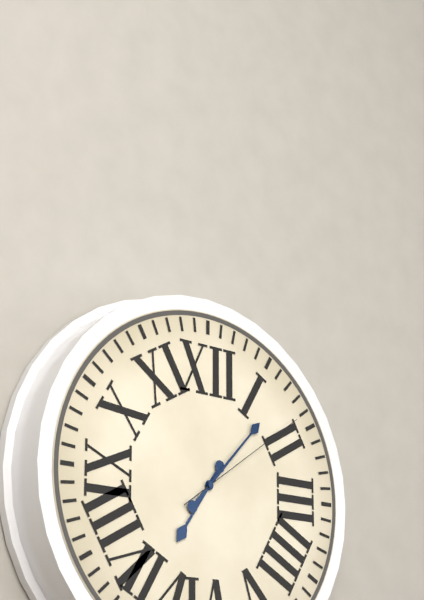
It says 7 h 07 min 09 s
